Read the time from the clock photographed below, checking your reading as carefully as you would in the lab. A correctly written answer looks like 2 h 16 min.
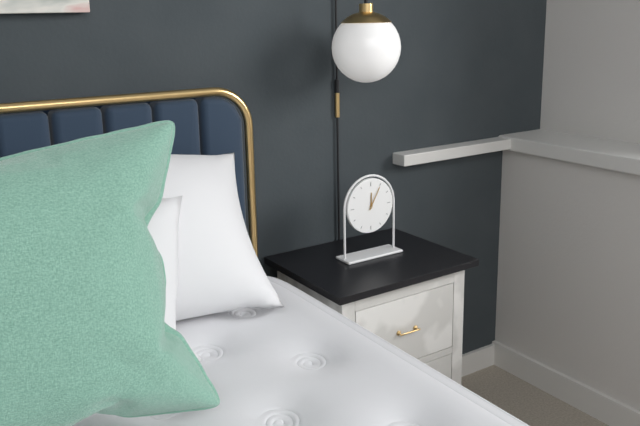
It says 12 h 05 min
